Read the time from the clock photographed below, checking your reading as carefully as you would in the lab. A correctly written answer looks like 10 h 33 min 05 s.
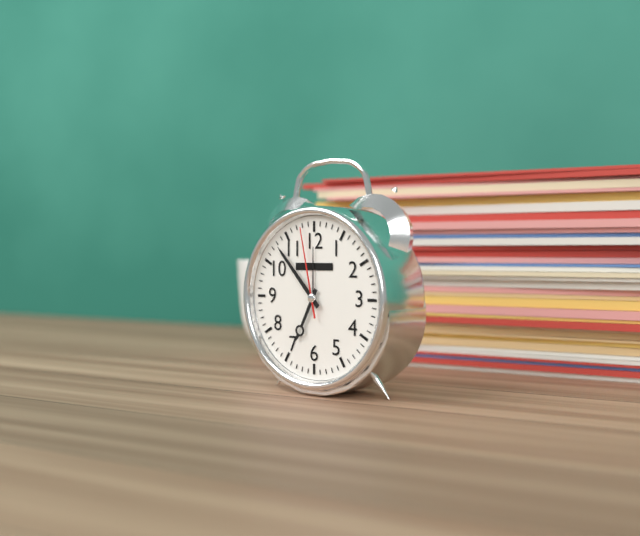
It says 6 h 53 min 58 s
